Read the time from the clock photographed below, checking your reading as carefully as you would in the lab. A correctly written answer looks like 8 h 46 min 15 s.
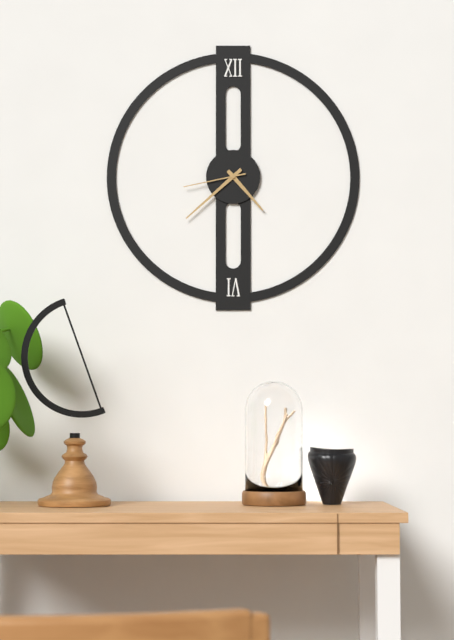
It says 4 h 38 min 43 s
